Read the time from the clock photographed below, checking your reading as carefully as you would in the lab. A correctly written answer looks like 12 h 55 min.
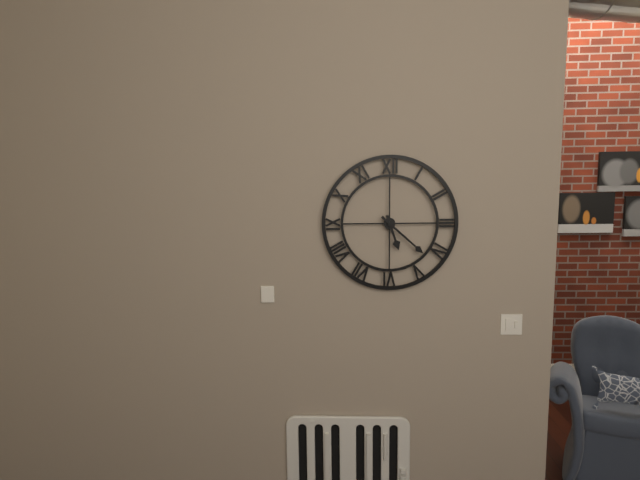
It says 5 h 22 min
